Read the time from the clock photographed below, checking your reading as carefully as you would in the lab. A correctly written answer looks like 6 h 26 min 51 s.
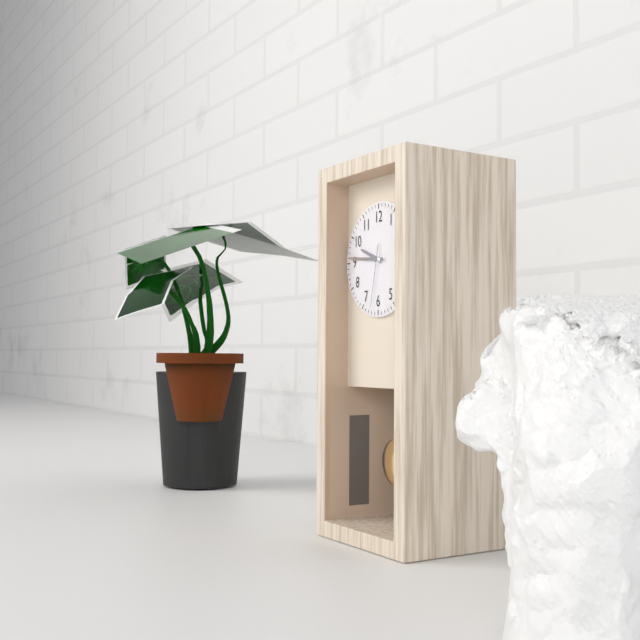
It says 9 h 46 min 32 s
